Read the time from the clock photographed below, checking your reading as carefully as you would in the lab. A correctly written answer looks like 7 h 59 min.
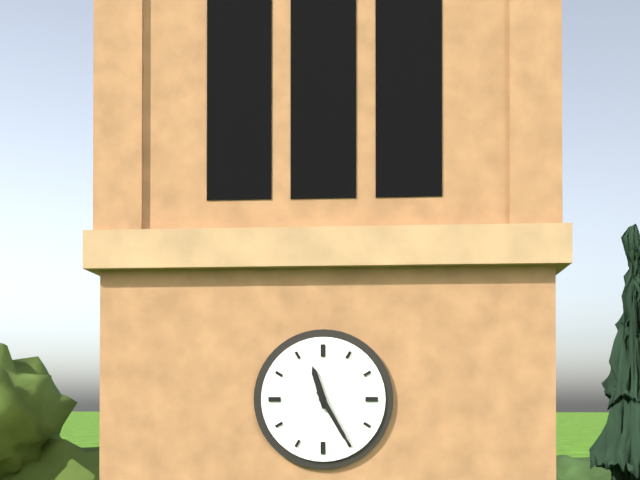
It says 11 h 25 min
